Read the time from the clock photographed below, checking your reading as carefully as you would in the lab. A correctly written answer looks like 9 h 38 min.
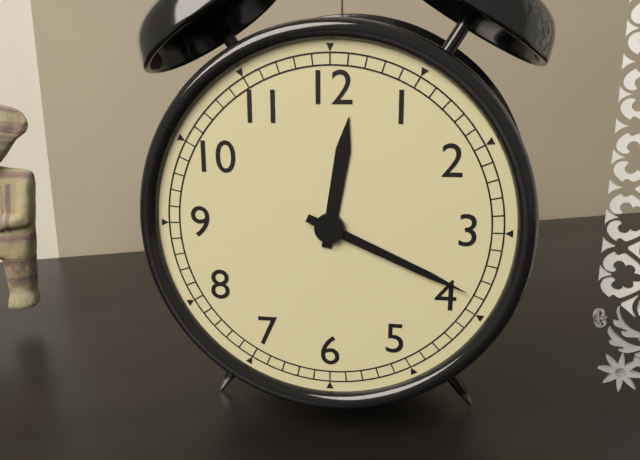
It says 12 h 19 min
